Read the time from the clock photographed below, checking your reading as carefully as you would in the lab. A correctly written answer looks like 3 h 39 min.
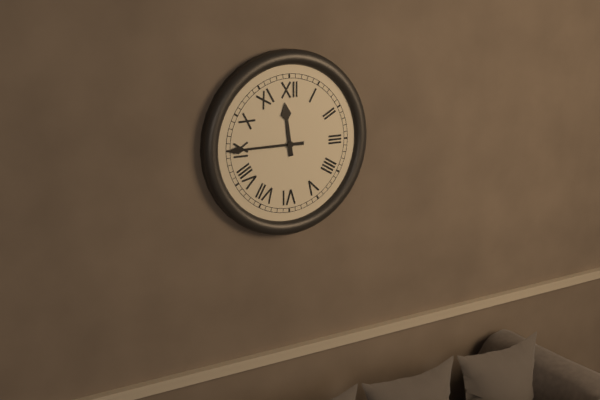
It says 11 h 45 min
